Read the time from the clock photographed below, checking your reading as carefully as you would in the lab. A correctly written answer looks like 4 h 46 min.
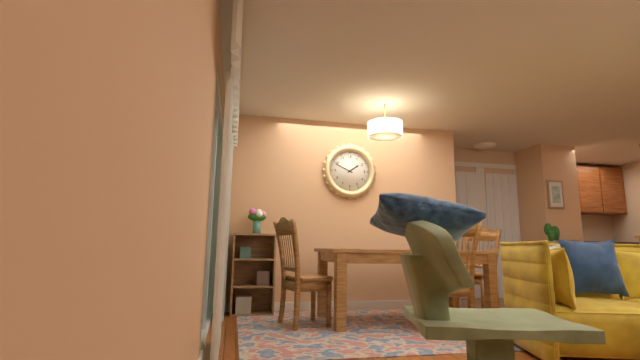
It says 1 h 49 min
